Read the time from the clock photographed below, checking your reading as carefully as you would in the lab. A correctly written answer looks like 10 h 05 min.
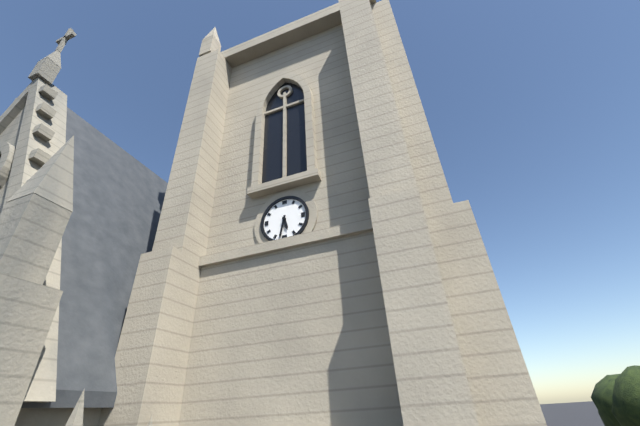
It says 5 h 32 min
